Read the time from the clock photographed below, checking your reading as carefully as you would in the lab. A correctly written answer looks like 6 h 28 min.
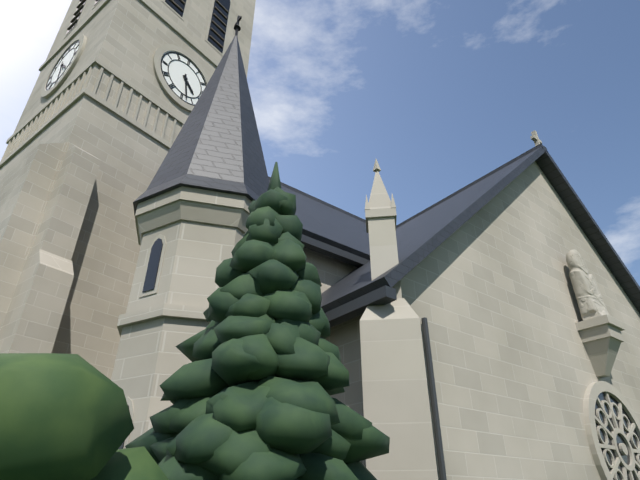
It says 4 h 28 min
